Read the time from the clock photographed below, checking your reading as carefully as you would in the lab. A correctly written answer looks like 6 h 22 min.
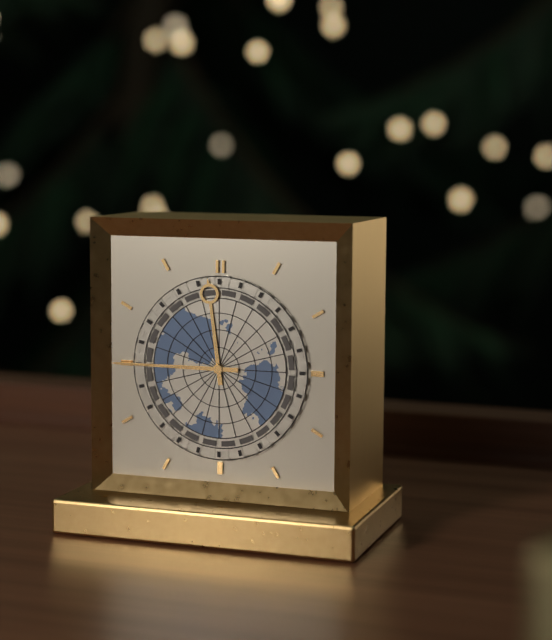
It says 11 h 45 min
